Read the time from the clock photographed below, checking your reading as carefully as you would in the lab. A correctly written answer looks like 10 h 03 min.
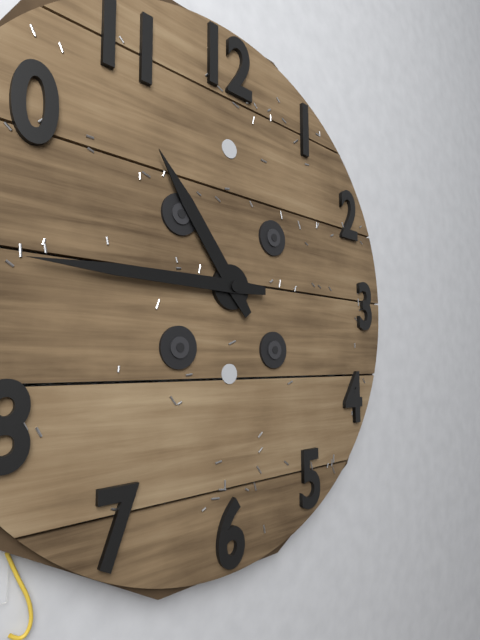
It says 10 h 45 min
